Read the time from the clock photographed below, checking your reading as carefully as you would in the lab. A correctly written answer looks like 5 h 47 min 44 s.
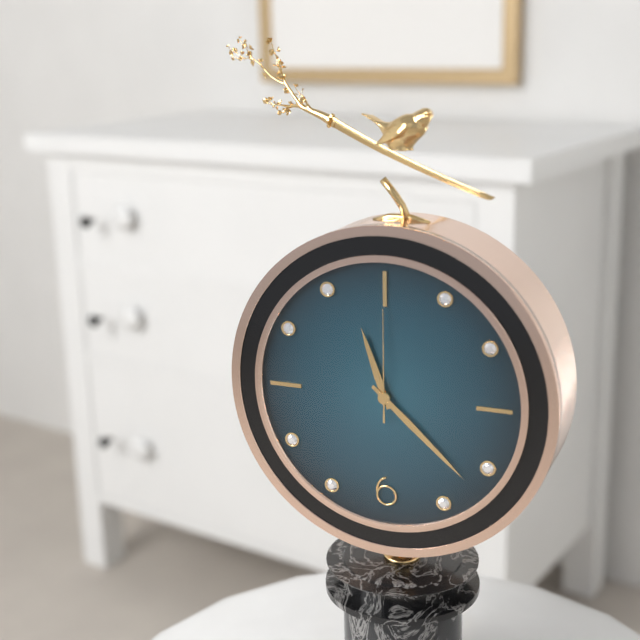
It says 11 h 22 min 00 s
